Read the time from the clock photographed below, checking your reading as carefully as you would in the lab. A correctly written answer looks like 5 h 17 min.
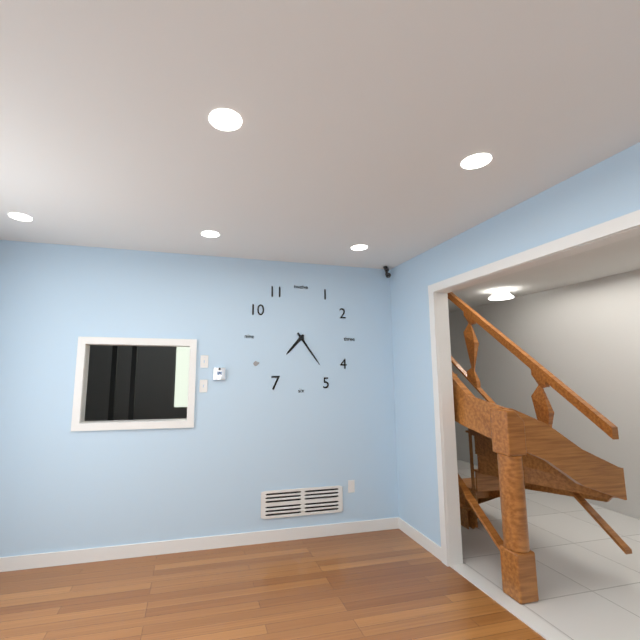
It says 7 h 24 min
